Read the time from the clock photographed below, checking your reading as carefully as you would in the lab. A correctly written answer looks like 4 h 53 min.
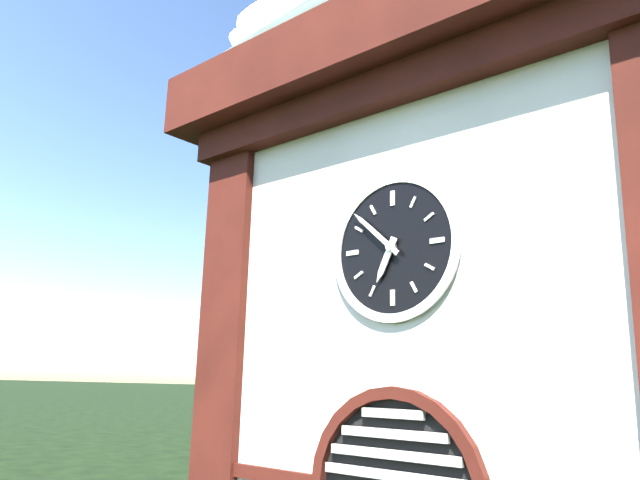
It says 6 h 52 min
